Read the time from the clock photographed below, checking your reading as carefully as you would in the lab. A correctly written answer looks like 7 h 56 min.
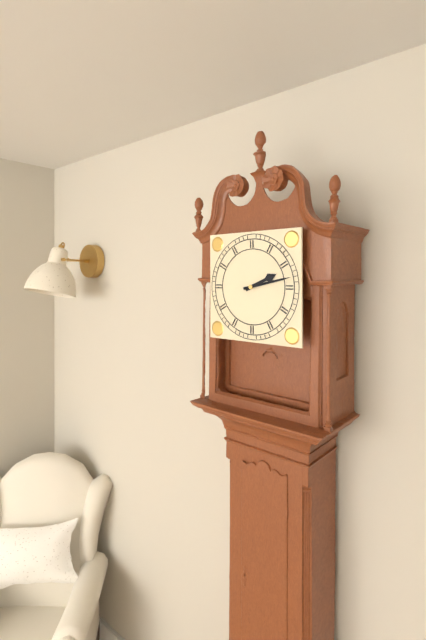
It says 2 h 13 min
